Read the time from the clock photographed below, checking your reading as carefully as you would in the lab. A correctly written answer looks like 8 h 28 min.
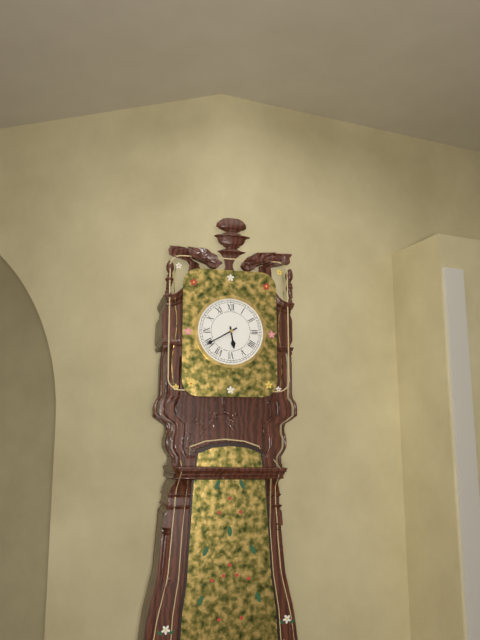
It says 5 h 40 min
